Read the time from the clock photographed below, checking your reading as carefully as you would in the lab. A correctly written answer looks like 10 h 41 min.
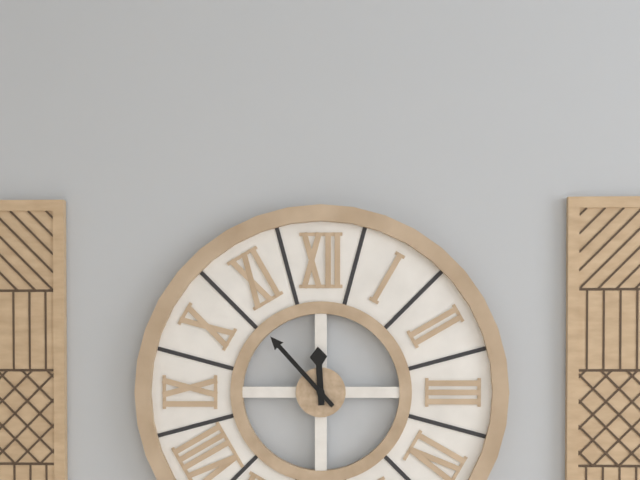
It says 11 h 53 min
